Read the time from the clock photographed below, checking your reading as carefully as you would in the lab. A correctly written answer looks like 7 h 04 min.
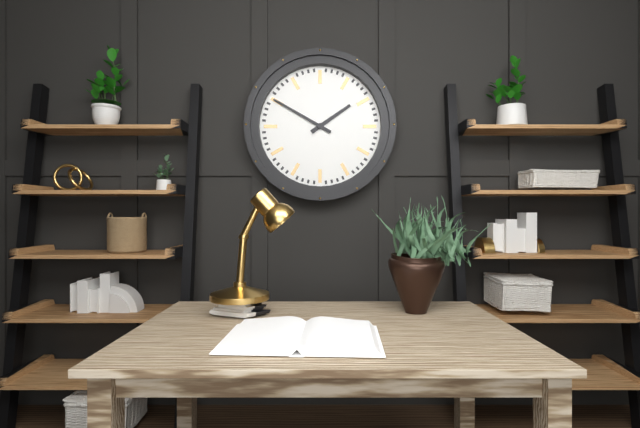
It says 1 h 50 min
